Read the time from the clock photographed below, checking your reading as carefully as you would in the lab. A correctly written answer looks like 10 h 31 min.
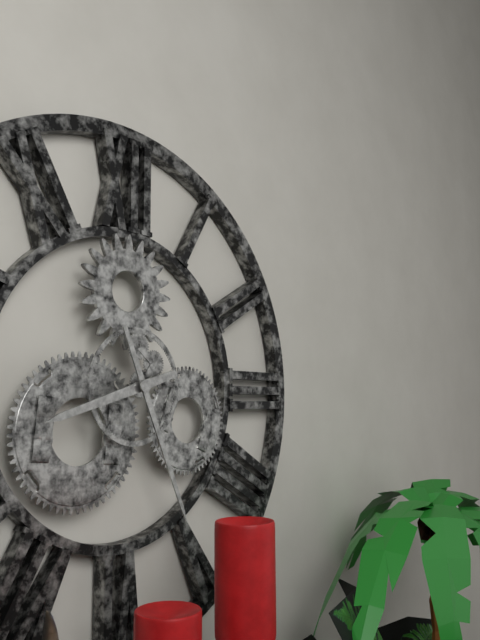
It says 8 h 26 min
